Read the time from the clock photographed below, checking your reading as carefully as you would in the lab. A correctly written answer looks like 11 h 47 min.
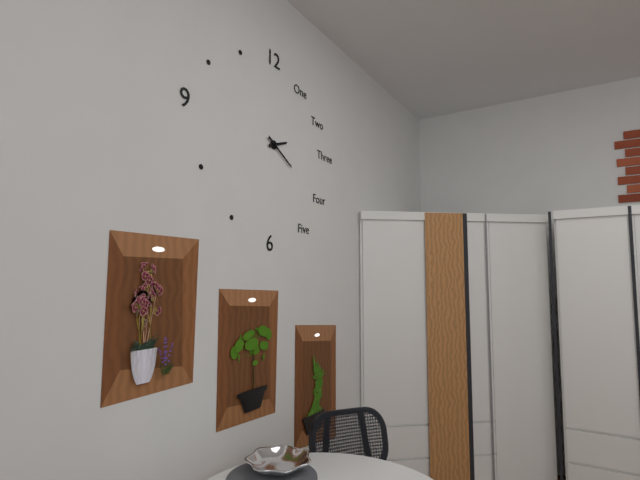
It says 2 h 20 min
